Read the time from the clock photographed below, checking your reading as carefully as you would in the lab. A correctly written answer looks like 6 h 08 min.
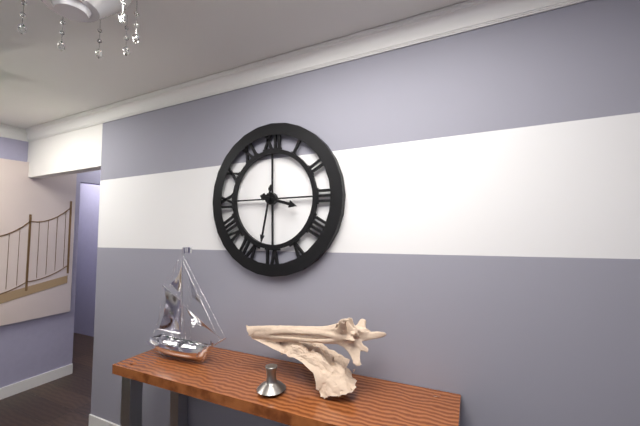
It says 3 h 32 min
